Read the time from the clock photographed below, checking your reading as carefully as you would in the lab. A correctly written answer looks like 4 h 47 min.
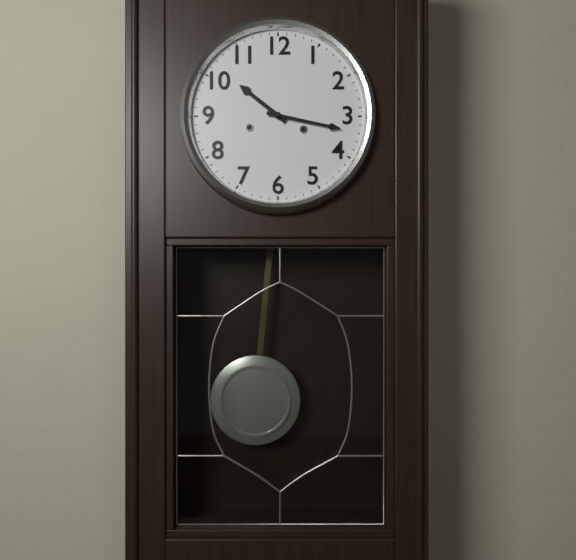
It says 10 h 17 min
